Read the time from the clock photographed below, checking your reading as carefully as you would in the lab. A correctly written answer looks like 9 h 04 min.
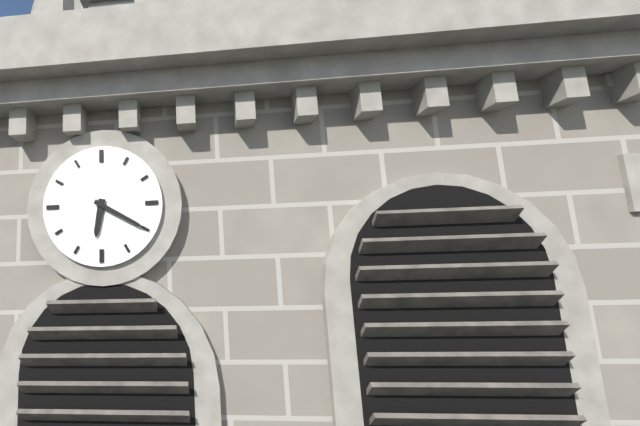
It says 6 h 20 min
